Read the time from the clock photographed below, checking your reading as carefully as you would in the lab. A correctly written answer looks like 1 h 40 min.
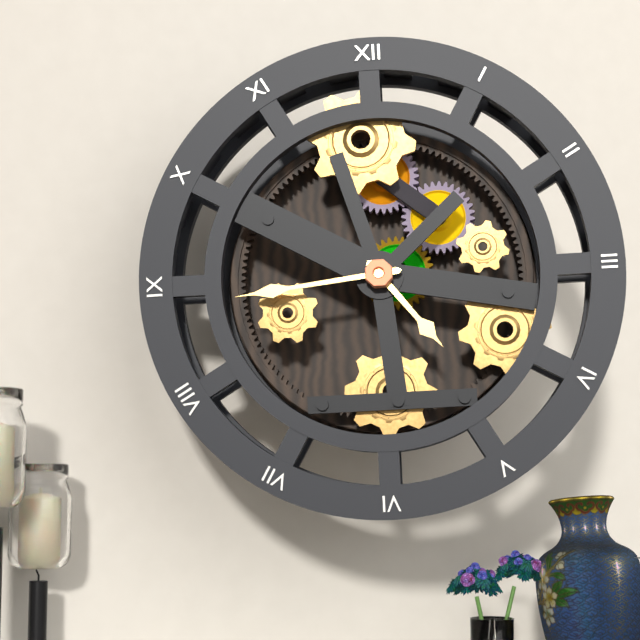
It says 4 h 44 min
